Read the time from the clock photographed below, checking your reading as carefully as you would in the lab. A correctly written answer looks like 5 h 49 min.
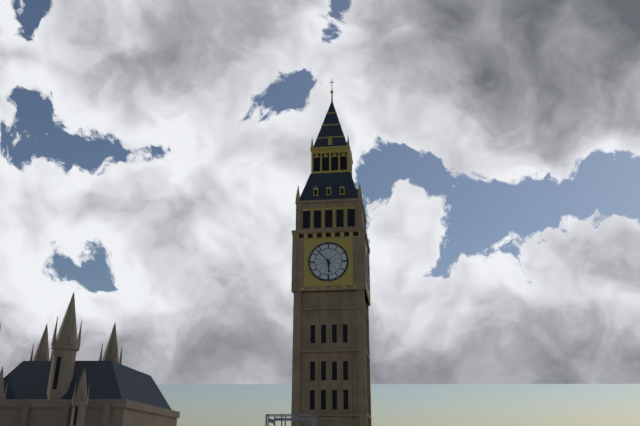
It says 5 h 53 min
